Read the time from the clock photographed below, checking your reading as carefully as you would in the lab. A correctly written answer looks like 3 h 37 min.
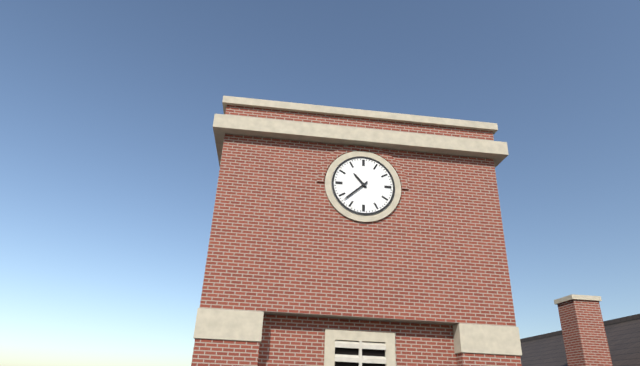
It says 10 h 38 min
